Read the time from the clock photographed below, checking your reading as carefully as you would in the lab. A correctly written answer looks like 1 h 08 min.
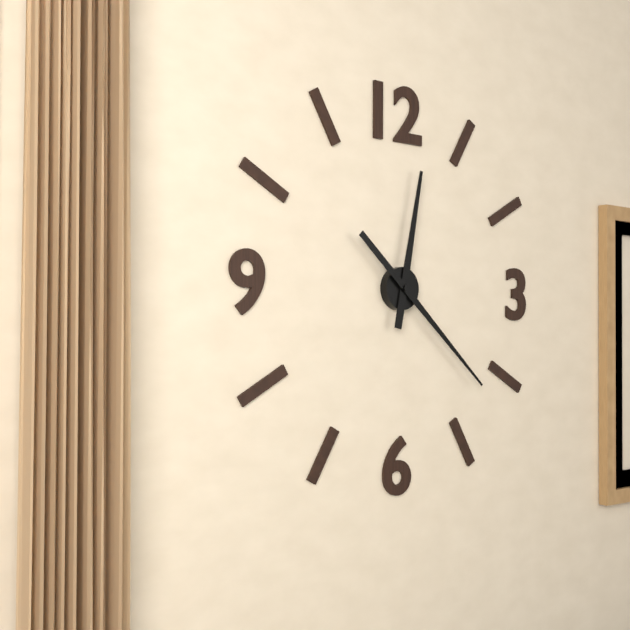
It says 12 h 22 min
